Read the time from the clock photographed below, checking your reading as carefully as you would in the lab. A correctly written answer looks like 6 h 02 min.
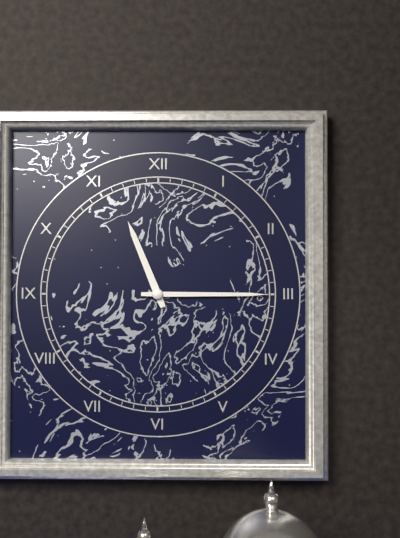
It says 11 h 15 min
